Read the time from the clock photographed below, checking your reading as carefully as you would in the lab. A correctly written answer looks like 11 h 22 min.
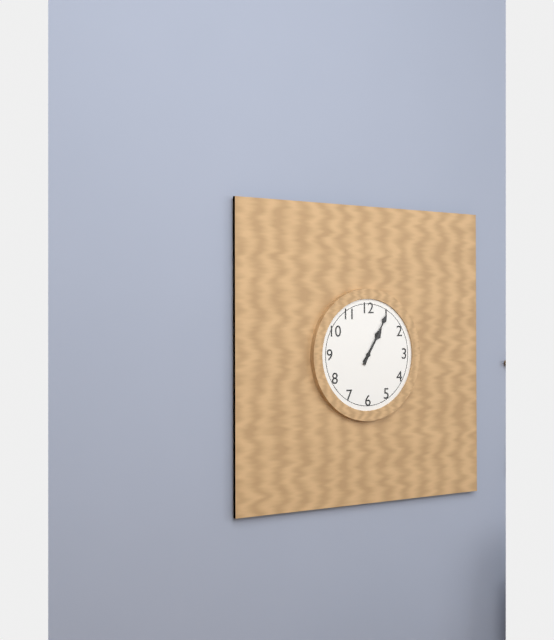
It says 1 h 05 min
